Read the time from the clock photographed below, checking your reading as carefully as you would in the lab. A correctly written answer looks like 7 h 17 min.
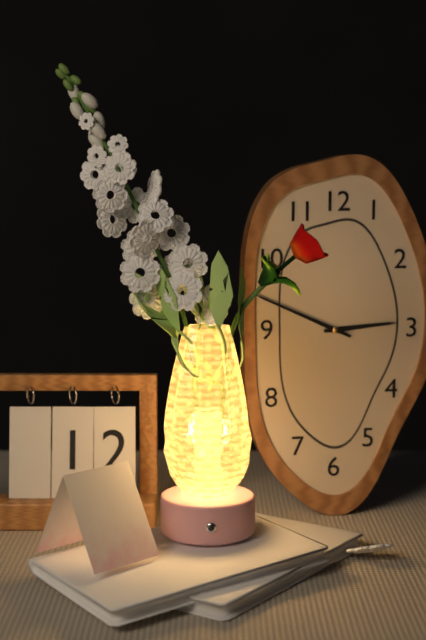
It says 2 h 49 min
